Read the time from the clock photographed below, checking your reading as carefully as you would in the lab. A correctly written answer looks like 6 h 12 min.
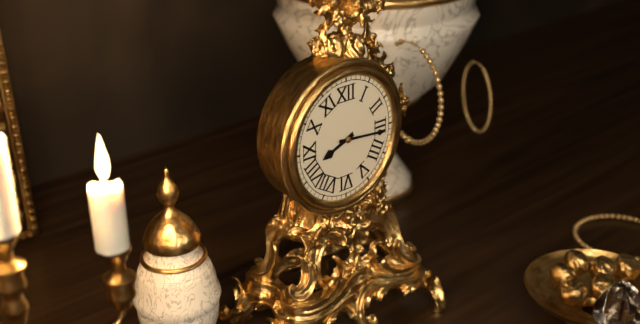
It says 8 h 16 min
